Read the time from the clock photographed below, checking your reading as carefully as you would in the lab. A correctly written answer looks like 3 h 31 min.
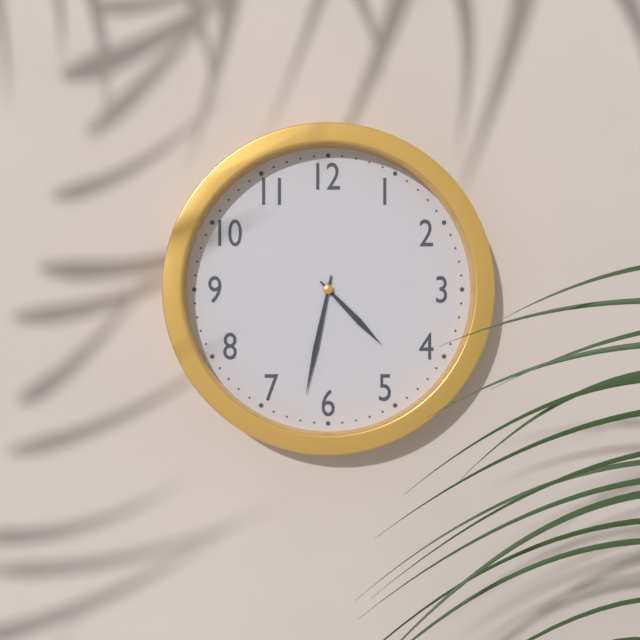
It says 4 h 32 min
